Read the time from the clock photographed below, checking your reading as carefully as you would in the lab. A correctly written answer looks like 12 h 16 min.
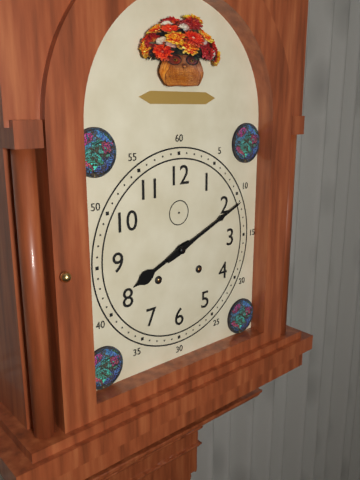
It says 8 h 11 min
